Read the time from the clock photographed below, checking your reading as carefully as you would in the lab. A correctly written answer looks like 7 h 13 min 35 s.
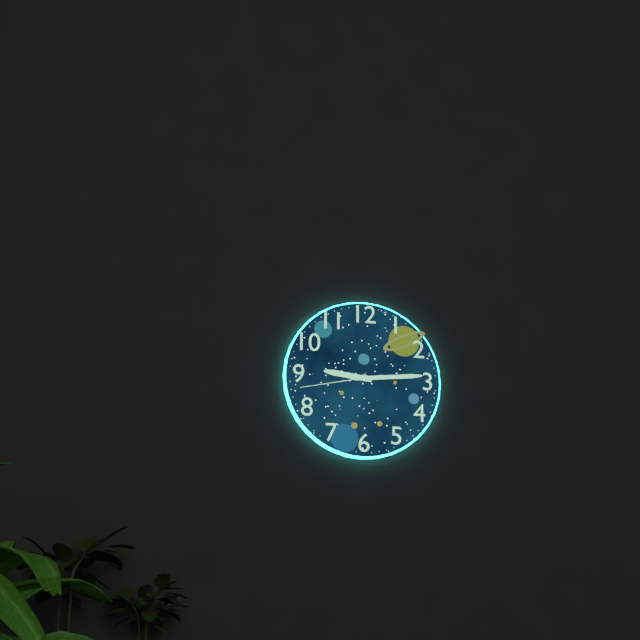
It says 9 h 14 min 43 s
